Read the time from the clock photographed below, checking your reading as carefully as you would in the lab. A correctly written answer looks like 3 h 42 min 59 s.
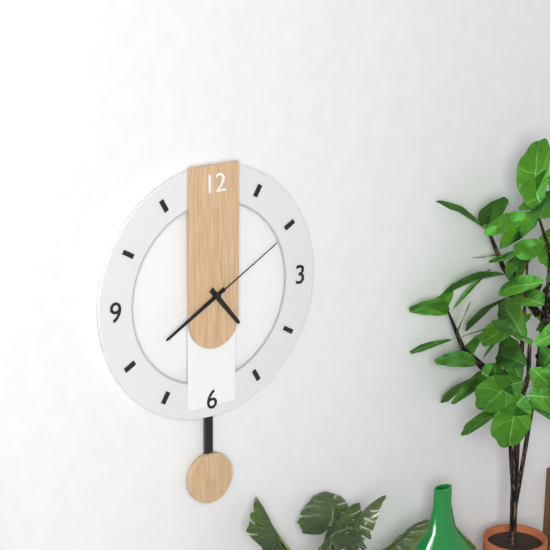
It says 4 h 40 min 10 s
